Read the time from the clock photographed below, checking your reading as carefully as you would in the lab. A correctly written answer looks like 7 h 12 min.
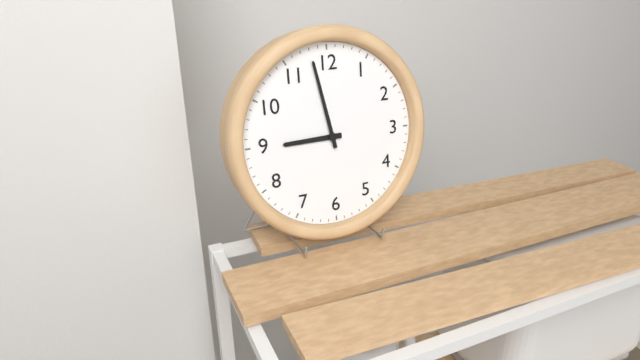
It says 8 h 58 min
